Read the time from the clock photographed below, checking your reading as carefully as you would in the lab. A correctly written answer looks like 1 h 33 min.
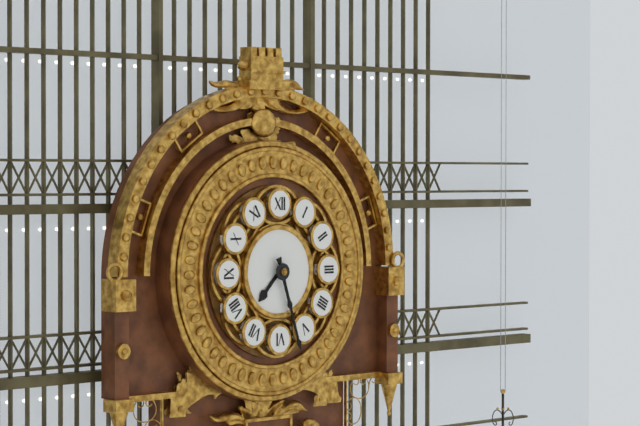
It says 7 h 27 min
